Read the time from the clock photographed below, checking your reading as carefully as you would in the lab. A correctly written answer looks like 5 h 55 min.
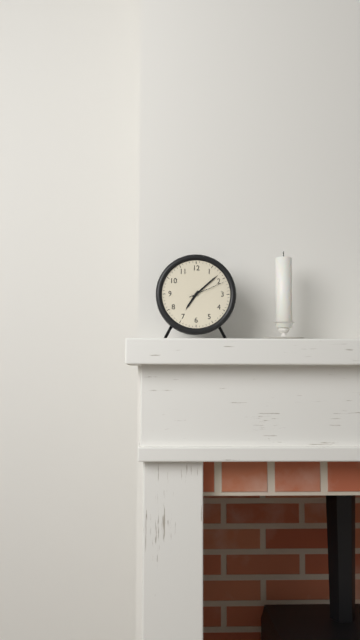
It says 7 h 08 min
